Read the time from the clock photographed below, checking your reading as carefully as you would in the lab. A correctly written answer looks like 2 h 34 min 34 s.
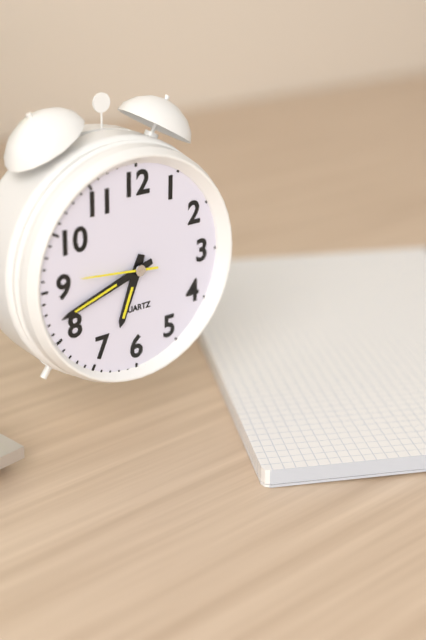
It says 6 h 42 min 46 s
